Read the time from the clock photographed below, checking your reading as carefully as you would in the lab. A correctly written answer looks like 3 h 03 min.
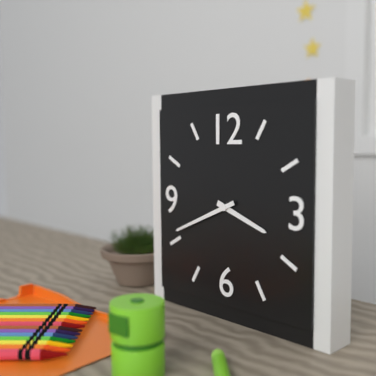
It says 3 h 41 min
